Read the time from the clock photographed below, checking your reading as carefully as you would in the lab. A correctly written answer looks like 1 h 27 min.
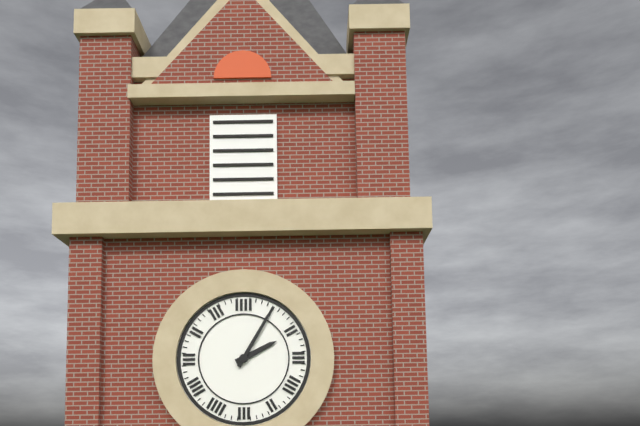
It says 2 h 05 min
